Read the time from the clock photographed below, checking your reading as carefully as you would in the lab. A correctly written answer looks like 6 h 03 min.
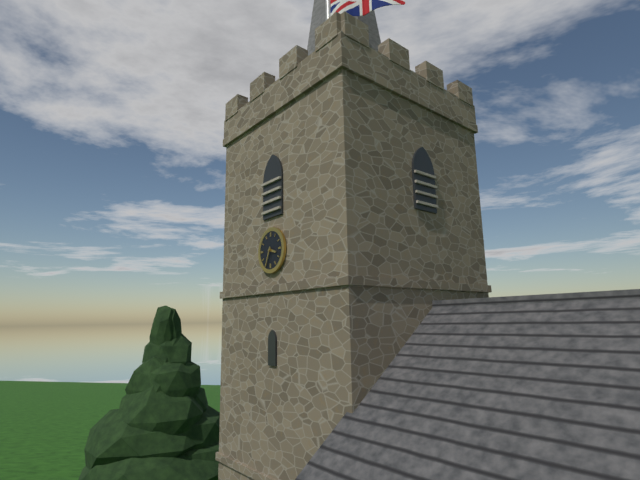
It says 3 h 34 min
